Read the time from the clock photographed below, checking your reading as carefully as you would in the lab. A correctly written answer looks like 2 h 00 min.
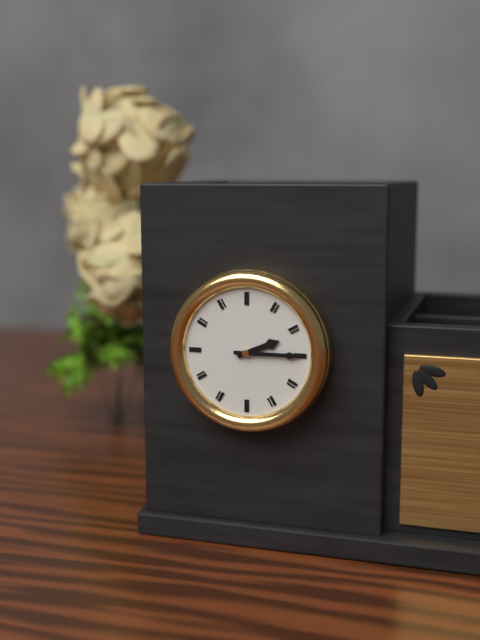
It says 2 h 15 min
